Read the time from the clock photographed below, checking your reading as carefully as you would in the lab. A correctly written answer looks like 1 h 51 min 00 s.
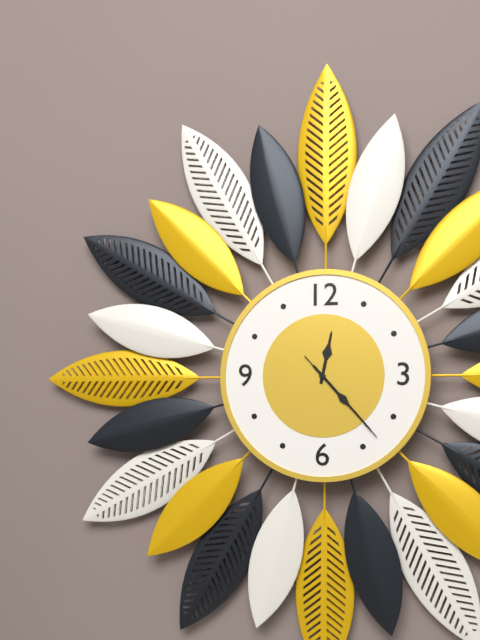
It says 12 h 23 min 23 s
